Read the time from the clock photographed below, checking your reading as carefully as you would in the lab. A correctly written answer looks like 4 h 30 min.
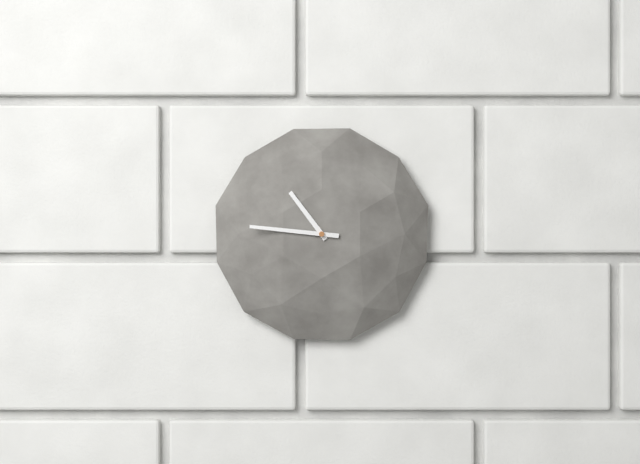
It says 10 h 46 min
